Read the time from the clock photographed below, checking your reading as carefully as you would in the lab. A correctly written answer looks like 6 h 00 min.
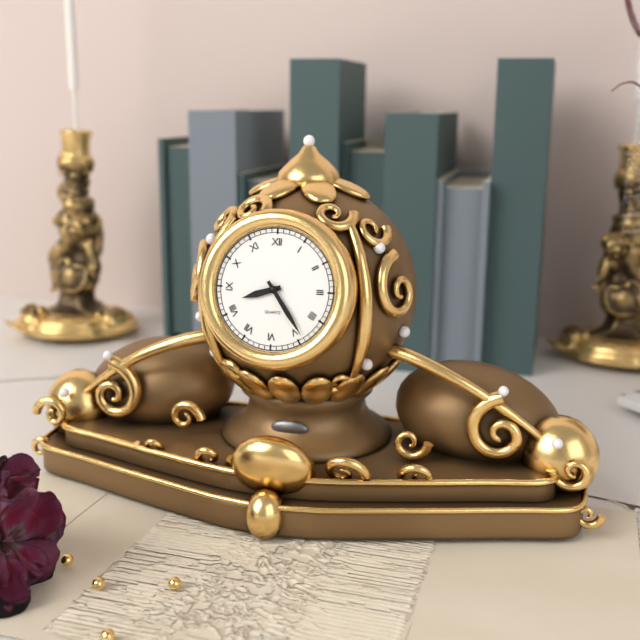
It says 8 h 24 min
